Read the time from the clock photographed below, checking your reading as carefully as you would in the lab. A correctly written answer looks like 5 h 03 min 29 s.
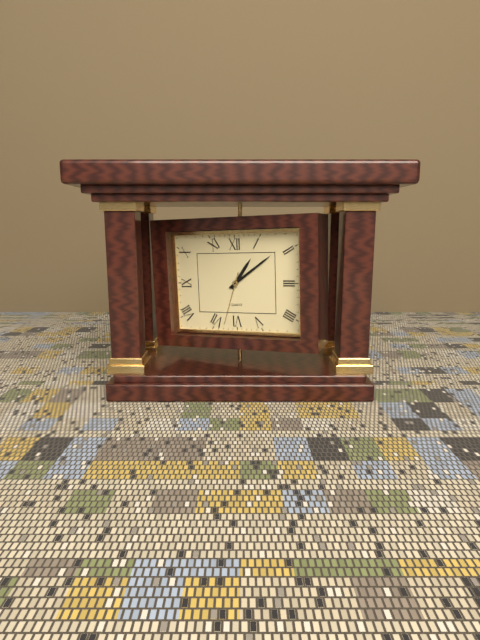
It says 1 h 09 min 33 s
